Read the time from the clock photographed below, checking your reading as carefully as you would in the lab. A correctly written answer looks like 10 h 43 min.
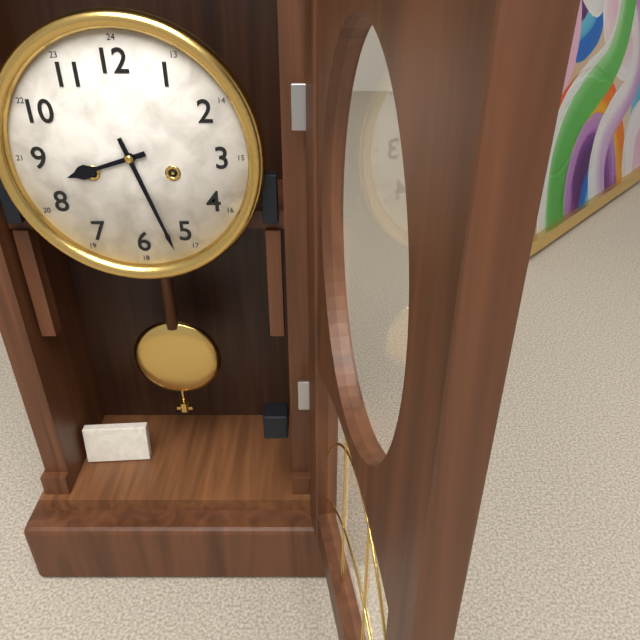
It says 8 h 27 min
